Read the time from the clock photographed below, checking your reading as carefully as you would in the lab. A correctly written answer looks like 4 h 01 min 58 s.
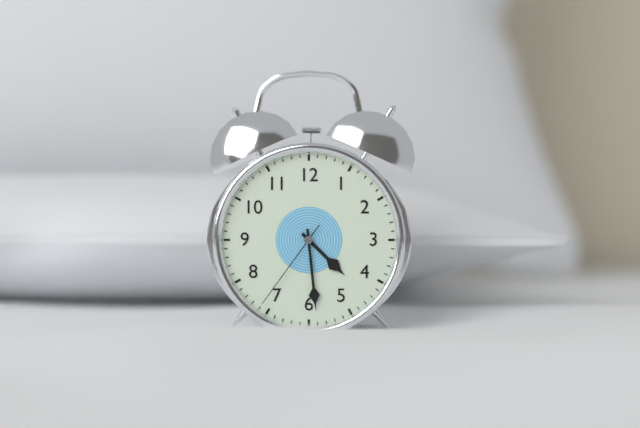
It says 4 h 29 min 36 s
